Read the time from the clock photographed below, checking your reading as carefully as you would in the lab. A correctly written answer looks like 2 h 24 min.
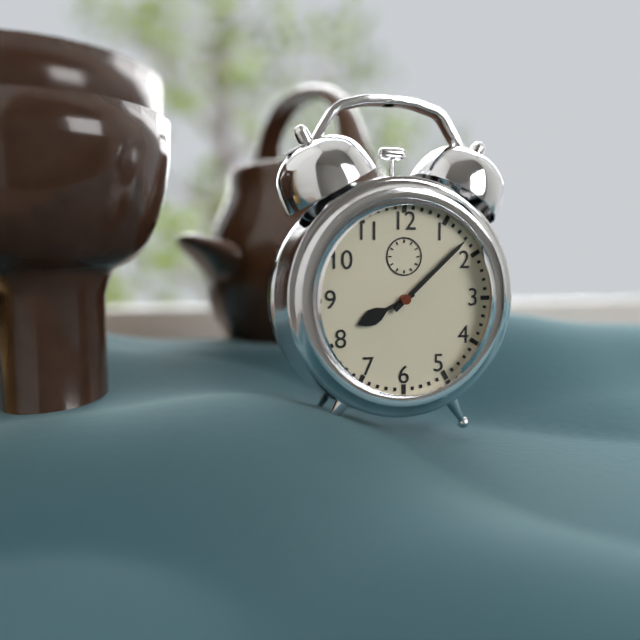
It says 8 h 08 min
